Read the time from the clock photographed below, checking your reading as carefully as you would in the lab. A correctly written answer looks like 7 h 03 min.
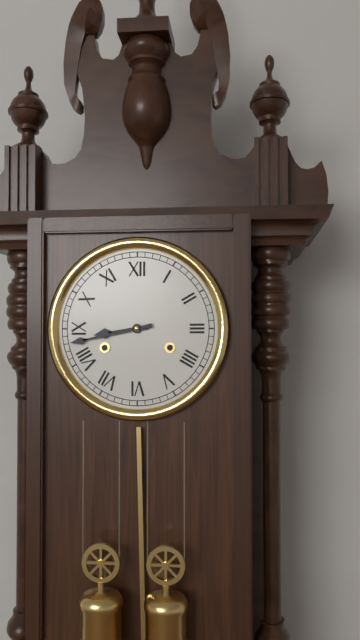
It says 8 h 43 min
